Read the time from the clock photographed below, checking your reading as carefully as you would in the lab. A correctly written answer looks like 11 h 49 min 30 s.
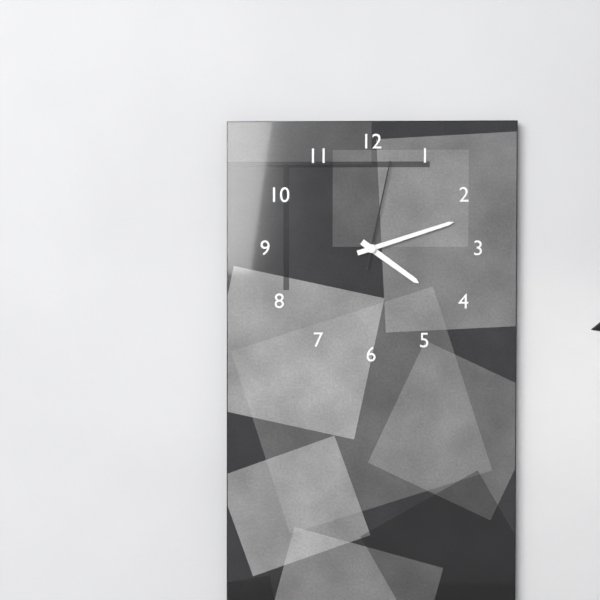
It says 4 h 12 min 02 s
